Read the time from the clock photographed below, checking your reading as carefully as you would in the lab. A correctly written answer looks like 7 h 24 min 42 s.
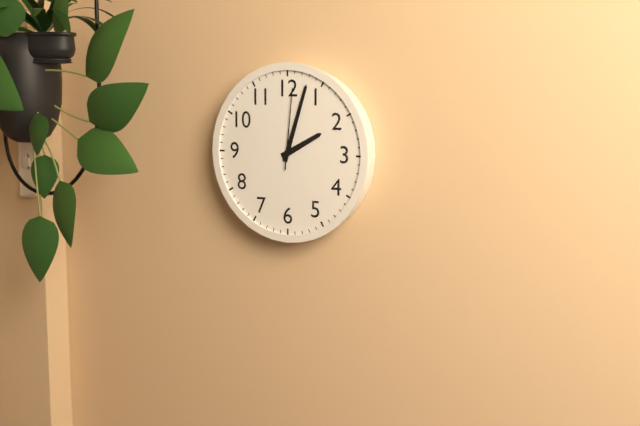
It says 2 h 03 min 01 s
